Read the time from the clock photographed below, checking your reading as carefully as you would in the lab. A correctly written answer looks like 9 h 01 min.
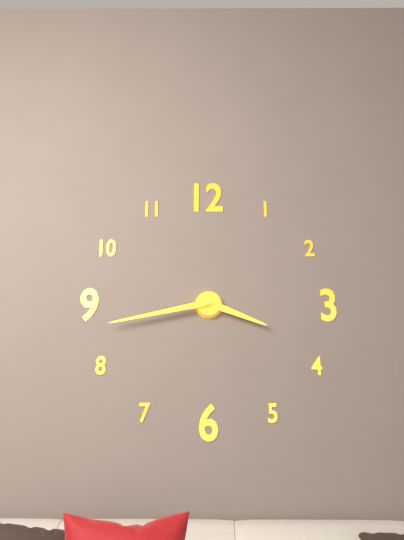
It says 3 h 43 min
